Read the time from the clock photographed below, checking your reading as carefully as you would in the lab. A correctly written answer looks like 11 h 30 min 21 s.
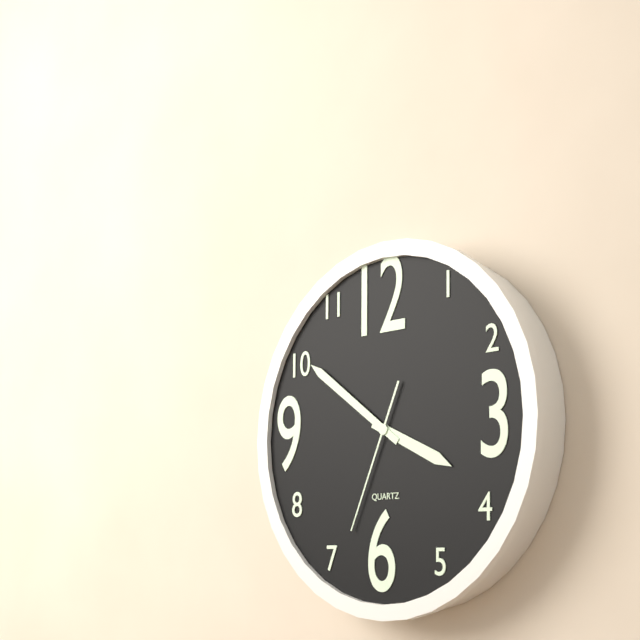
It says 3 h 51 min 34 s
